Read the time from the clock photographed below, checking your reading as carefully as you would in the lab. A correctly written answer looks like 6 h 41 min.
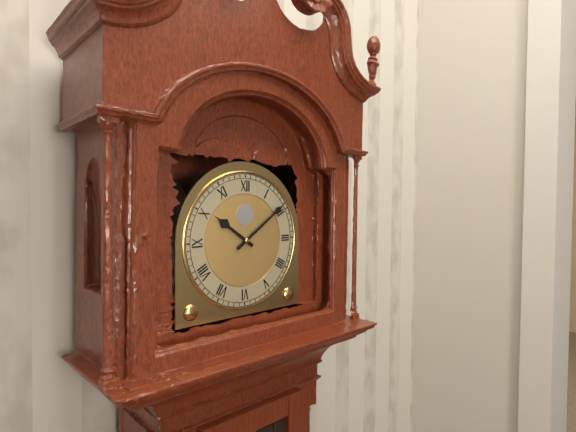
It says 10 h 09 min
